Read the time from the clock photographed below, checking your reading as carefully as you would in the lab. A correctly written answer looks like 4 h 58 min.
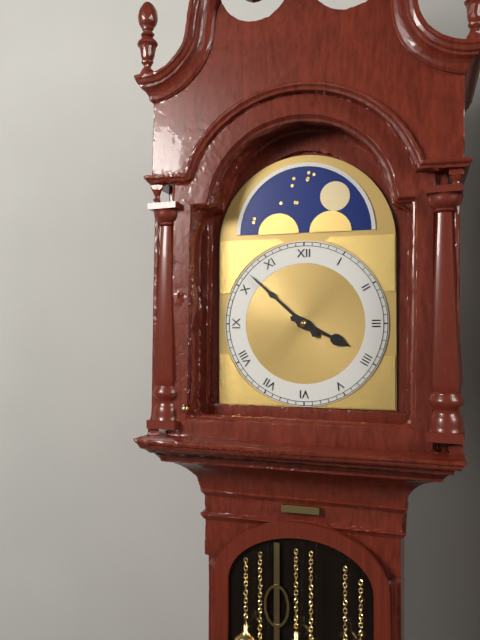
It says 3 h 52 min
